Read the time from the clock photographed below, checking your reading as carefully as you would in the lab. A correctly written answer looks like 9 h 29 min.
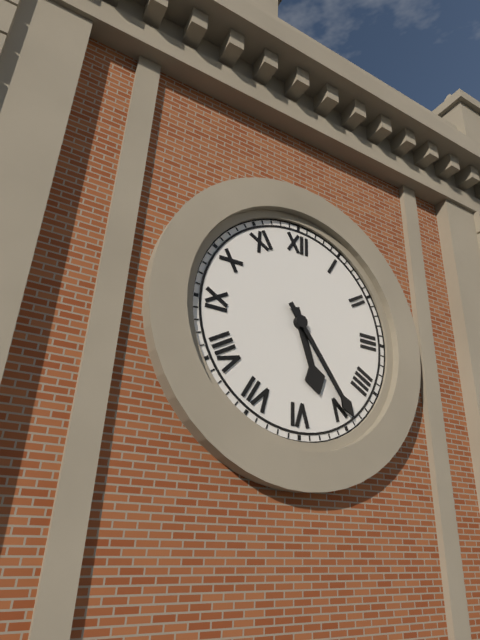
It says 5 h 24 min
